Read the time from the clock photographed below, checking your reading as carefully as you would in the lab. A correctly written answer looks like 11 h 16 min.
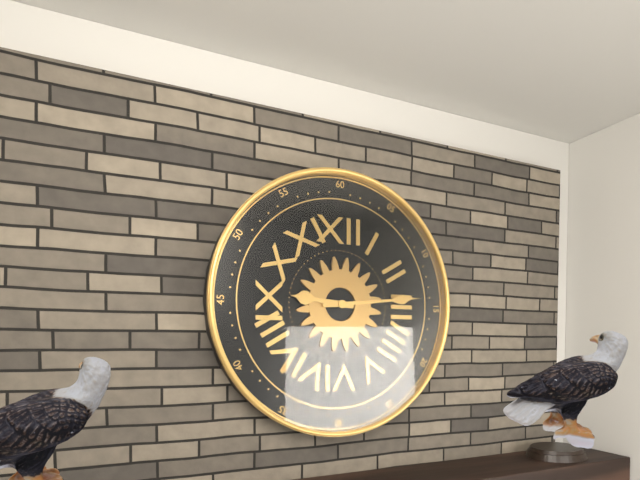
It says 9 h 14 min
